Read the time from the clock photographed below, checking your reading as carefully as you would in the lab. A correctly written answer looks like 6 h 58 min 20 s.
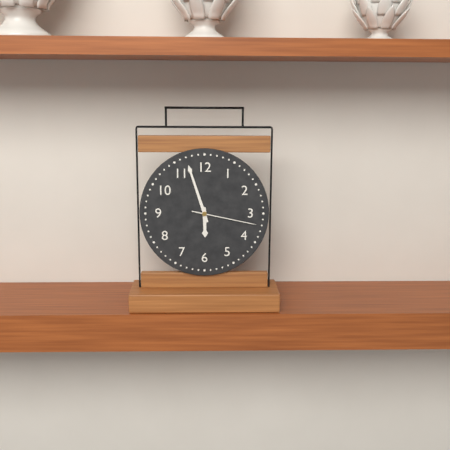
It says 5 h 57 min 17 s
